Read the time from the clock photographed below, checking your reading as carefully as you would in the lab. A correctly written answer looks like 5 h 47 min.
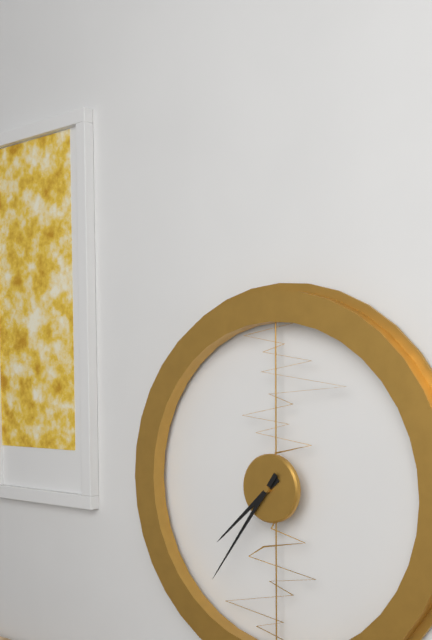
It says 7 h 36 min
